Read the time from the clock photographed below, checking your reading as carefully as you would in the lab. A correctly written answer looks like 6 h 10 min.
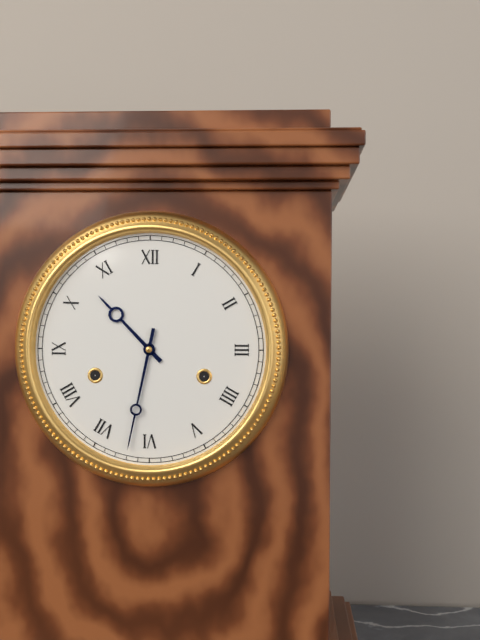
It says 10 h 32 min
